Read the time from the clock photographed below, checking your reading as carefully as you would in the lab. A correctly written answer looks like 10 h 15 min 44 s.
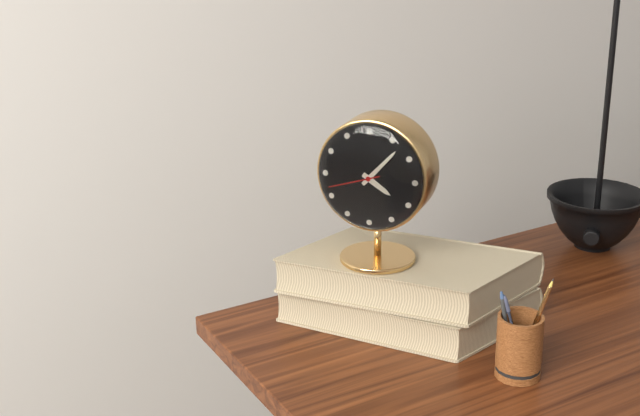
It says 4 h 07 min 42 s
